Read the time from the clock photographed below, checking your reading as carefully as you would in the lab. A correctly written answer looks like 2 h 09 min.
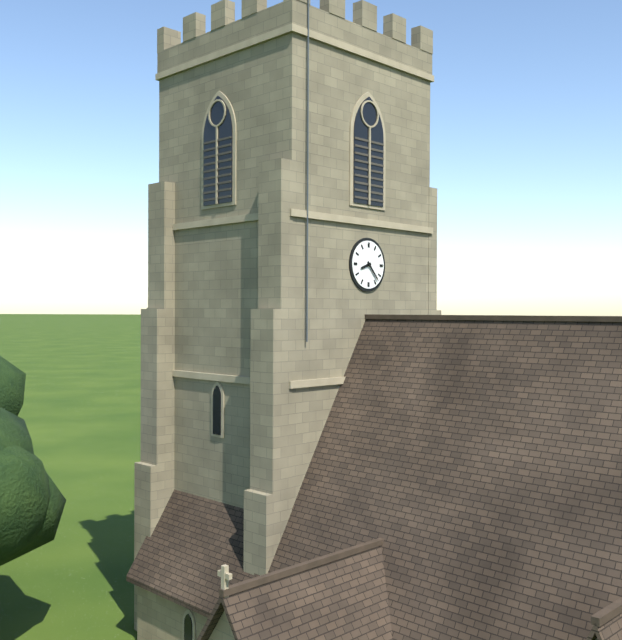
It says 8 h 23 min
